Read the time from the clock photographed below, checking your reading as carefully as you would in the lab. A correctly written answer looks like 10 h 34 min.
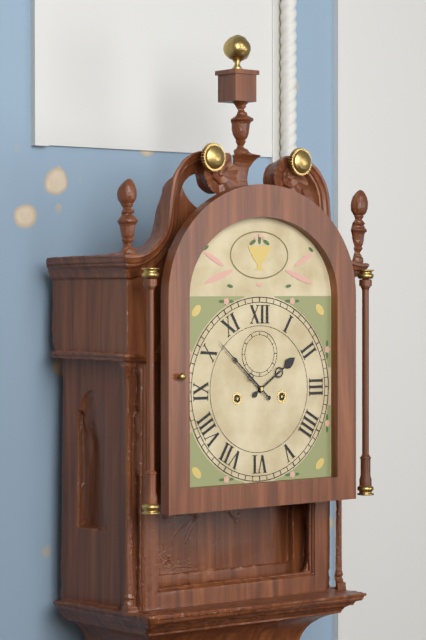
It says 1 h 52 min
